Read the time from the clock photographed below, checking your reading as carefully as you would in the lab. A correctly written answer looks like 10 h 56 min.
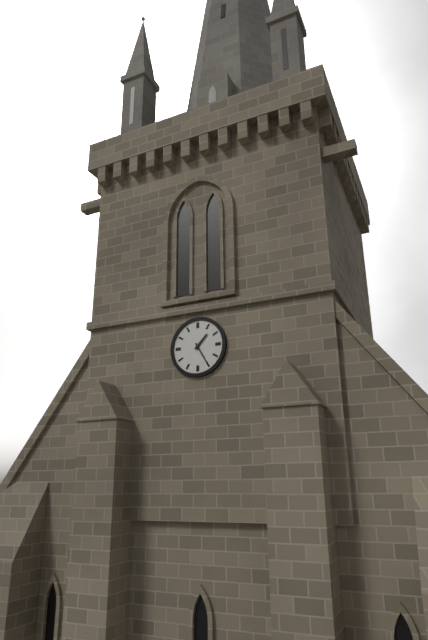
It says 1 h 25 min
